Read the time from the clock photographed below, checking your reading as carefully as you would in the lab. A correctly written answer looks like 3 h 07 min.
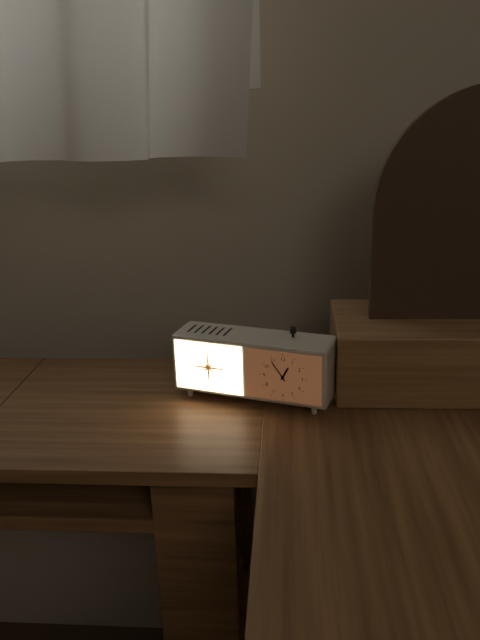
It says 12 h 54 min
